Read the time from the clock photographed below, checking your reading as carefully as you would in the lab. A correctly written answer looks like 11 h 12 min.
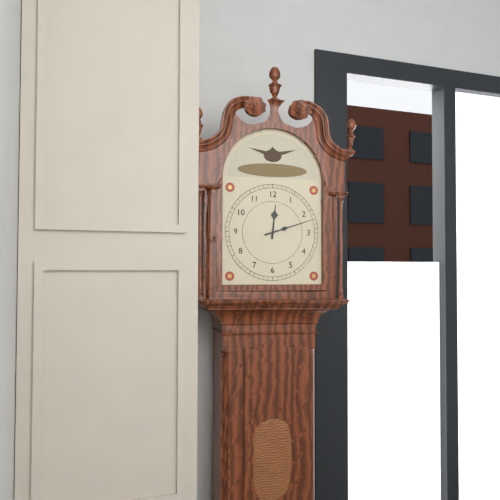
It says 12 h 12 min
